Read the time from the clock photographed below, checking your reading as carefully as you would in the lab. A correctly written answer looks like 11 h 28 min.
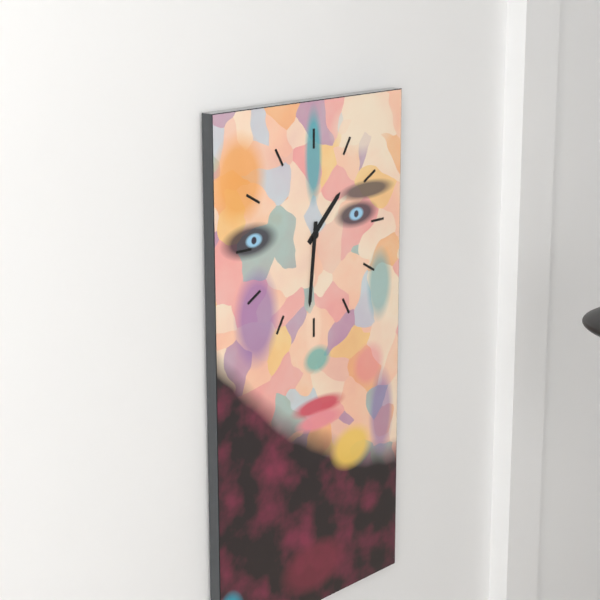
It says 1 h 31 min
